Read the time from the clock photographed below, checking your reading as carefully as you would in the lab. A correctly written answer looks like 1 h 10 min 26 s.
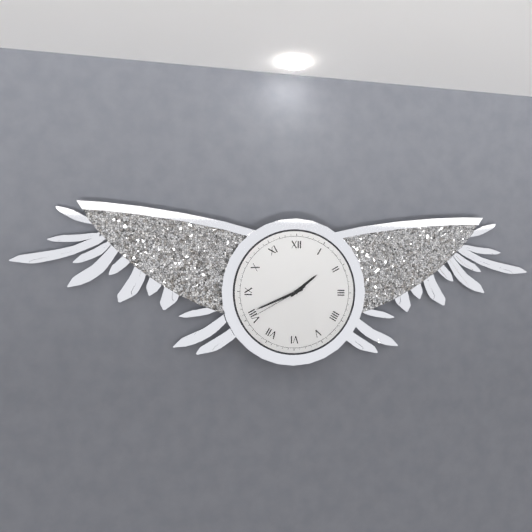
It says 1 h 41 min 40 s
